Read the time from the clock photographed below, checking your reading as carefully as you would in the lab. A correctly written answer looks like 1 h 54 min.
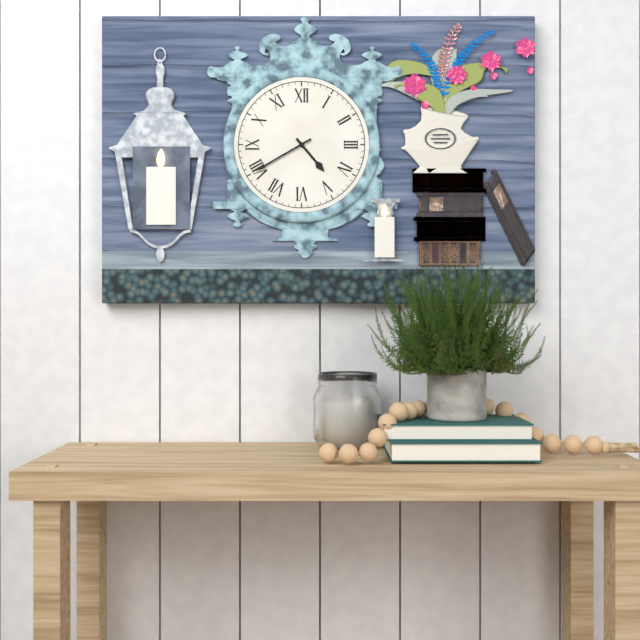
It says 4 h 40 min
